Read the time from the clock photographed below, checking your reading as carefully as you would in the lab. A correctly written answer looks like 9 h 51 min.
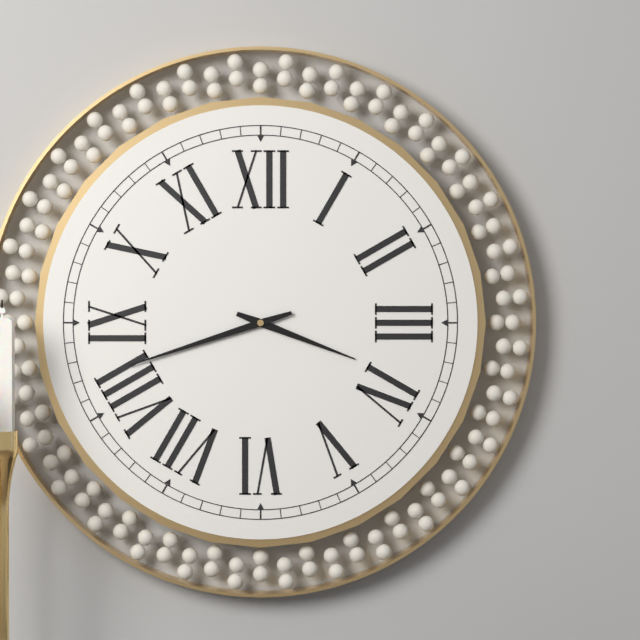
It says 3 h 42 min
